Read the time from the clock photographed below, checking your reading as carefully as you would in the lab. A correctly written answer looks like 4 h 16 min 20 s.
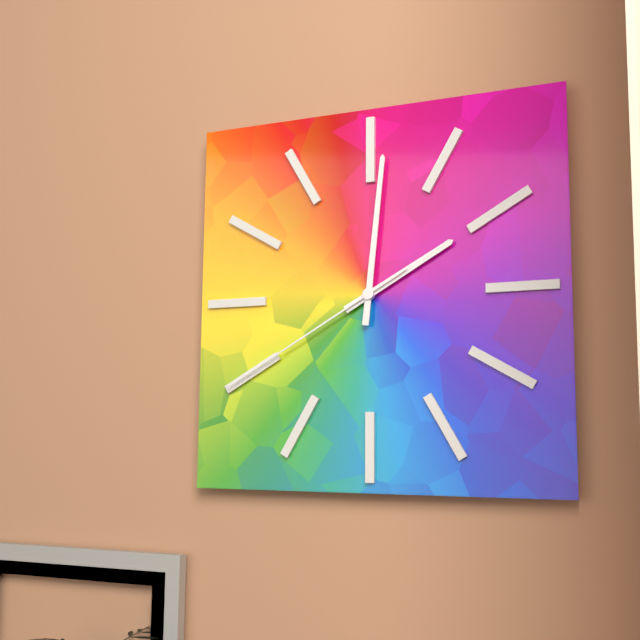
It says 2 h 01 min 40 s
